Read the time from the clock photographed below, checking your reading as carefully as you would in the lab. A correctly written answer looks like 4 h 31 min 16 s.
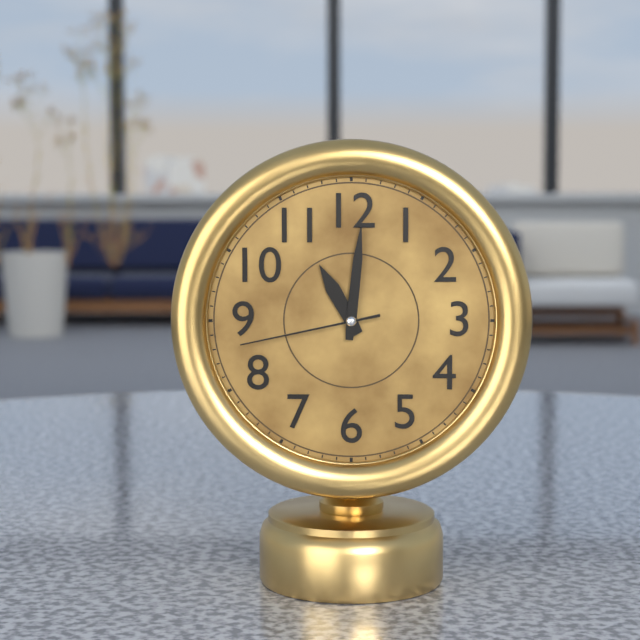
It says 11 h 01 min 43 s
